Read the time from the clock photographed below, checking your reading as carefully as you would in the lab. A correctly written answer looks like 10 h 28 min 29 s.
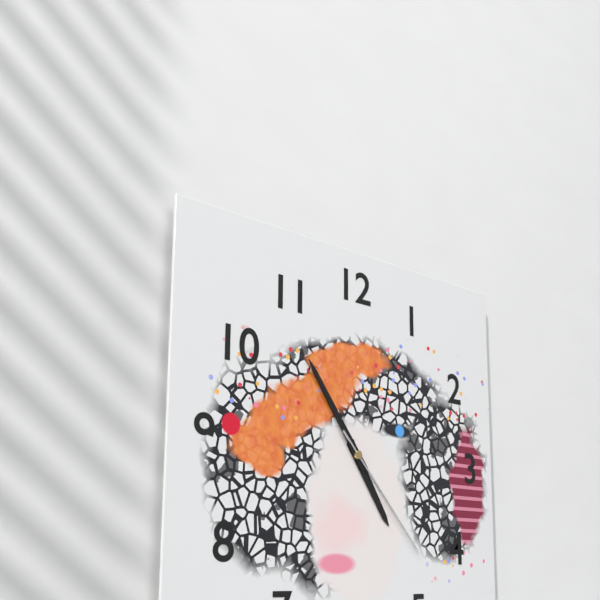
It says 4 h 54 min 23 s
